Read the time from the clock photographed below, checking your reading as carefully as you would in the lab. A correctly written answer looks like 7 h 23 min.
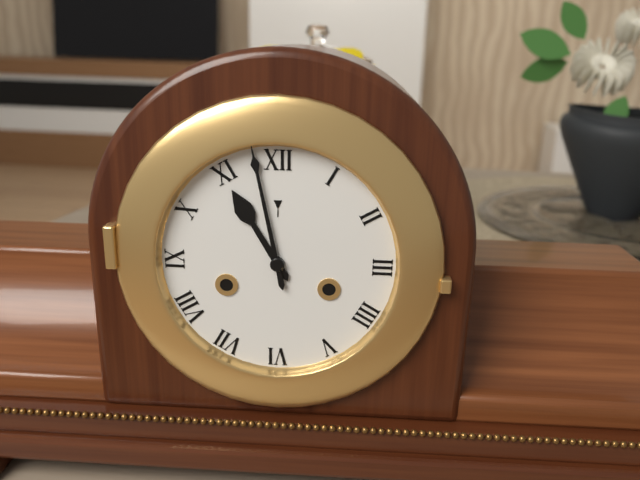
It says 10 h 58 min
